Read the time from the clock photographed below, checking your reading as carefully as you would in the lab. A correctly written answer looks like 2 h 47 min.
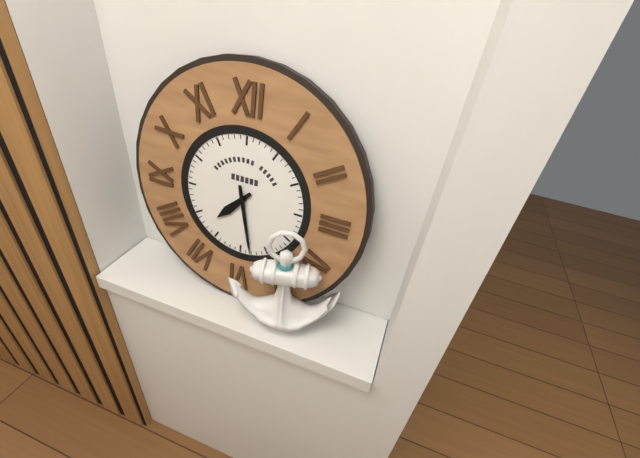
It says 7 h 28 min
